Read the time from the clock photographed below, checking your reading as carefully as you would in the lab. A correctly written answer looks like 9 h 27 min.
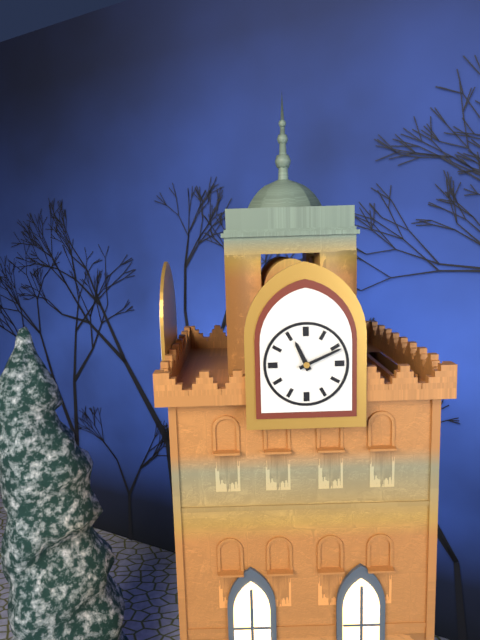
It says 11 h 11 min
